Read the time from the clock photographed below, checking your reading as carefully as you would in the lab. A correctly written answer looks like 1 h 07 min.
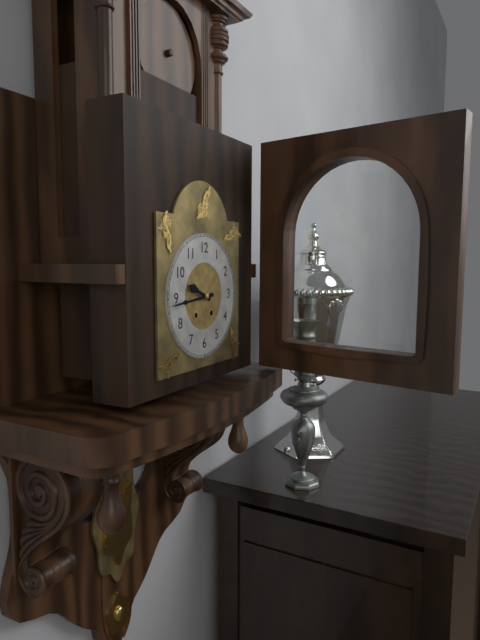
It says 9 h 44 min
